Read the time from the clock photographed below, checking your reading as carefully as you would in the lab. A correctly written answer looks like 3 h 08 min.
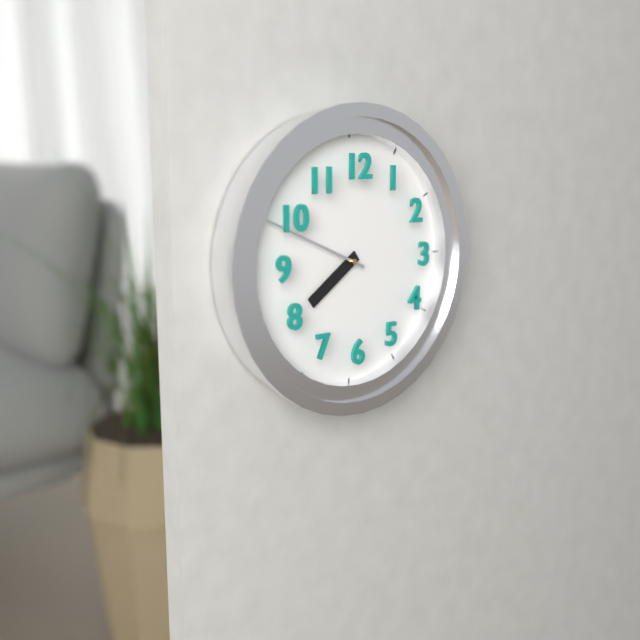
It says 7 h 49 min
